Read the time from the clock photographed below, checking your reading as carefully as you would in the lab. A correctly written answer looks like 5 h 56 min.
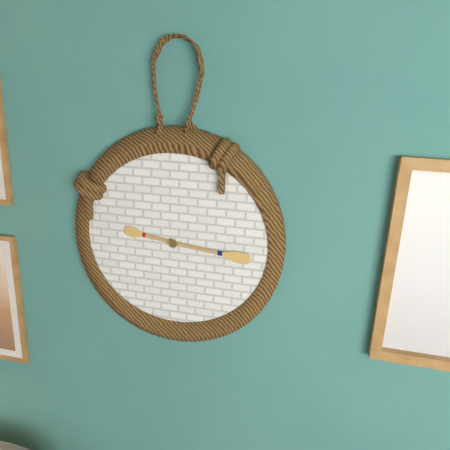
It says 9 h 16 min
